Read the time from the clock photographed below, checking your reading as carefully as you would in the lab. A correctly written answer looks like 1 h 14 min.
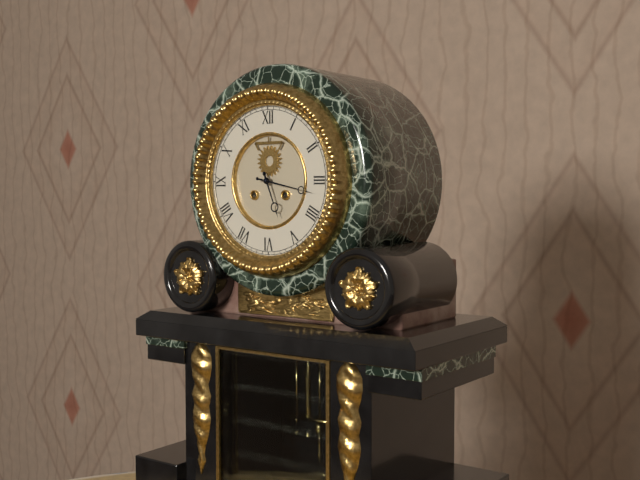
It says 5 h 17 min
